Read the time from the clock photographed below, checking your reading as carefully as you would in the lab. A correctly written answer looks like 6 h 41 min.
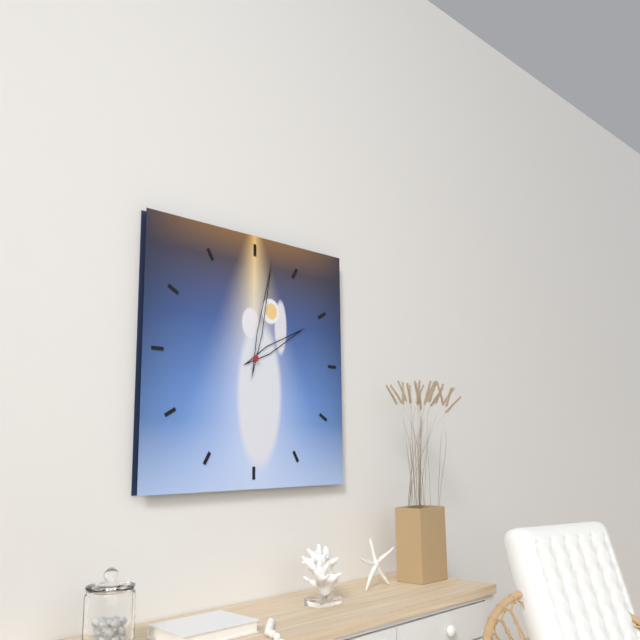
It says 2 h 02 min
